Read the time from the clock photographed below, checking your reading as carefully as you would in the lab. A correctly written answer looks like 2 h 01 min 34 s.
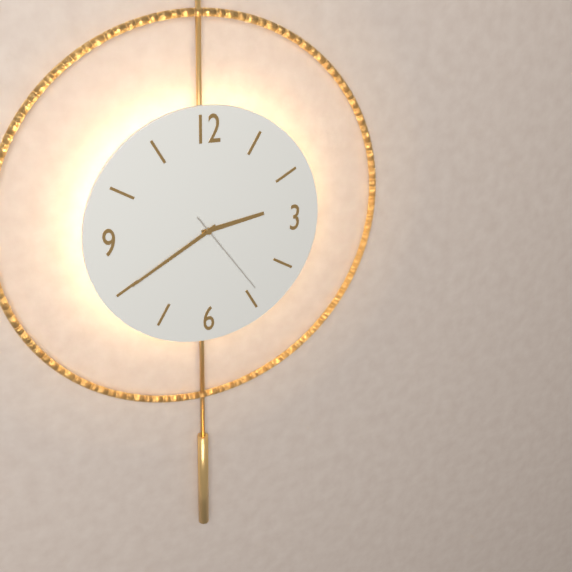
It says 2 h 40 min 24 s
